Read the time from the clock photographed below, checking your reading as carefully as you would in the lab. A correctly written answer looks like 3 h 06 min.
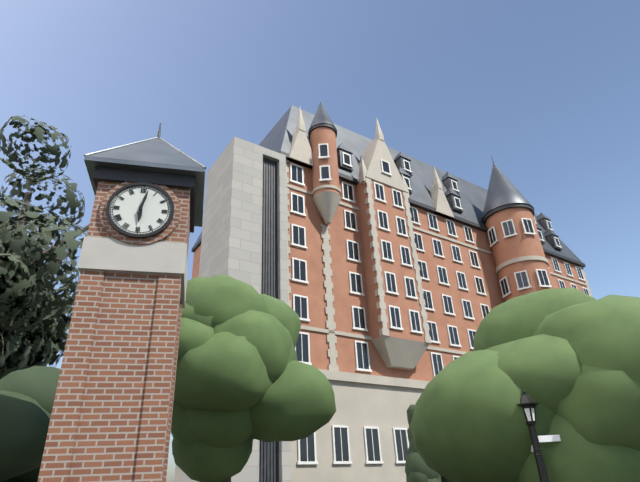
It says 6 h 02 min
